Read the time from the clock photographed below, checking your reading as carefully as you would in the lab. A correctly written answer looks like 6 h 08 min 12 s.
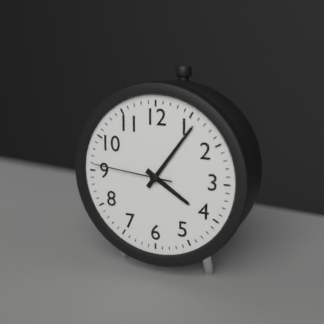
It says 4 h 06 min 46 s
